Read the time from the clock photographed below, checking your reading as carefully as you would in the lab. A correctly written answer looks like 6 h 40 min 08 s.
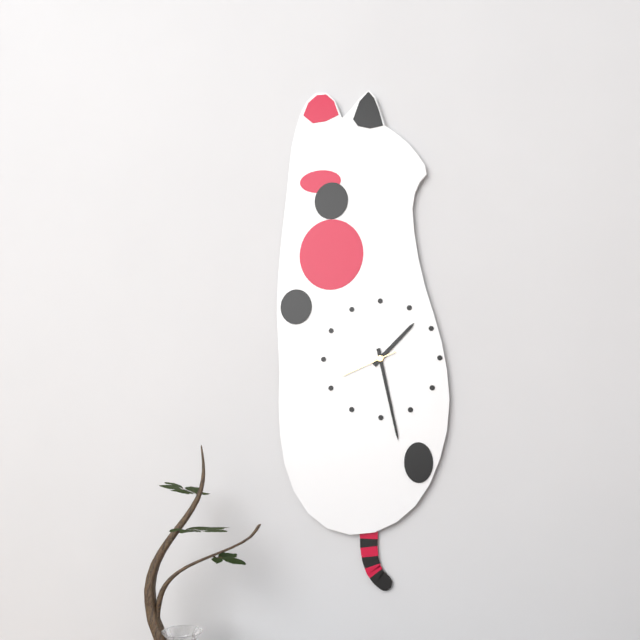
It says 1 h 28 min 41 s
